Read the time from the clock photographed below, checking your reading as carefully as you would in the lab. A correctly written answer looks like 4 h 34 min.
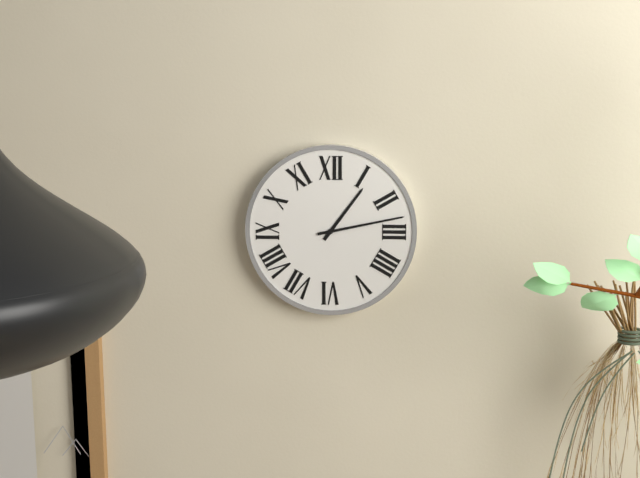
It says 1 h 13 min
